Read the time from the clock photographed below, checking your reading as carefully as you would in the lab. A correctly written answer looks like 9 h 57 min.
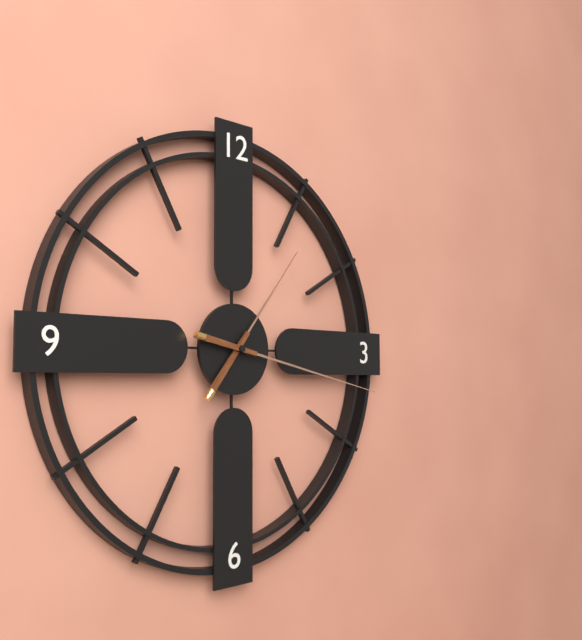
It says 1 h 17 min
